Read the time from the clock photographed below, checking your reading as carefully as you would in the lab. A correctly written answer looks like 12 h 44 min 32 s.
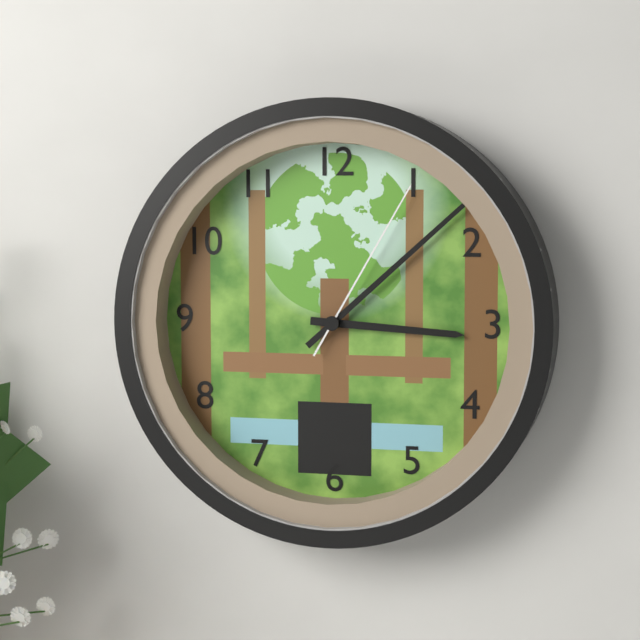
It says 3 h 08 min 05 s
